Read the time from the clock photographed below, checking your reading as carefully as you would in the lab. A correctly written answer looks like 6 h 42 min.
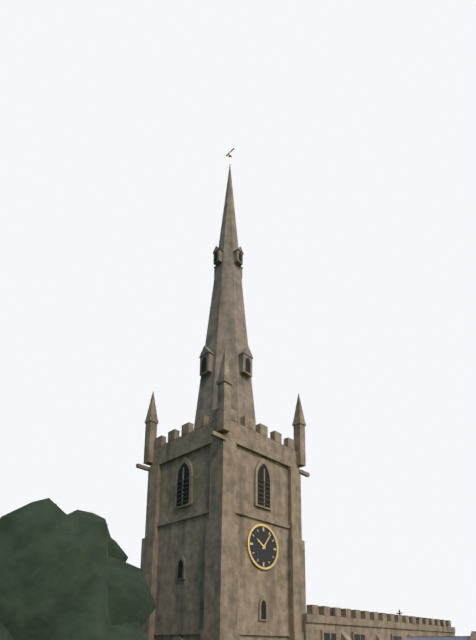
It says 10 h 06 min
